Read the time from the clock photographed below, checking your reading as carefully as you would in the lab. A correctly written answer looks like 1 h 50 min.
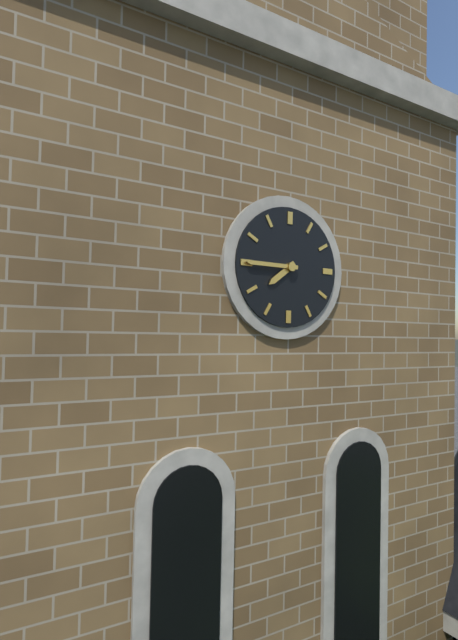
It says 7 h 45 min
